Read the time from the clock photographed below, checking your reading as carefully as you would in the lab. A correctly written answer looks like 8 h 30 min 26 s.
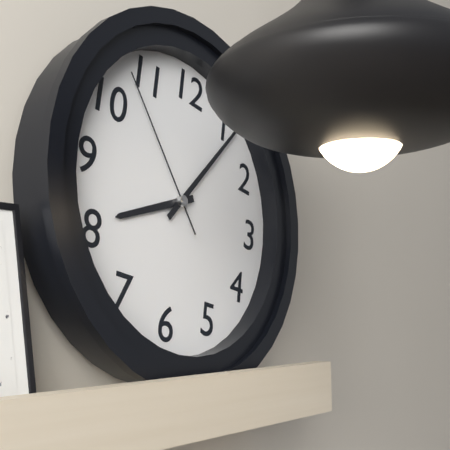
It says 8 h 06 min 53 s
